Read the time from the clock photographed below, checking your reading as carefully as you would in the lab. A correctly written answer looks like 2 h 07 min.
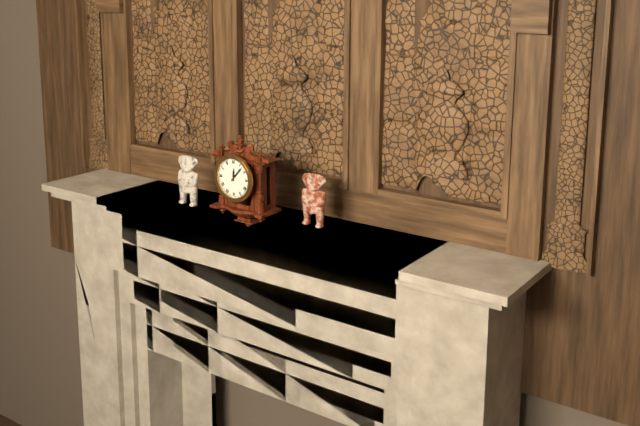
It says 12 h 07 min
